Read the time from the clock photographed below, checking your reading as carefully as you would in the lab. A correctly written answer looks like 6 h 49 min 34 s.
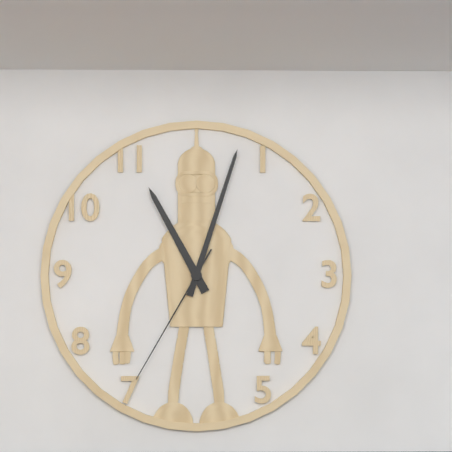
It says 11 h 03 min 35 s
